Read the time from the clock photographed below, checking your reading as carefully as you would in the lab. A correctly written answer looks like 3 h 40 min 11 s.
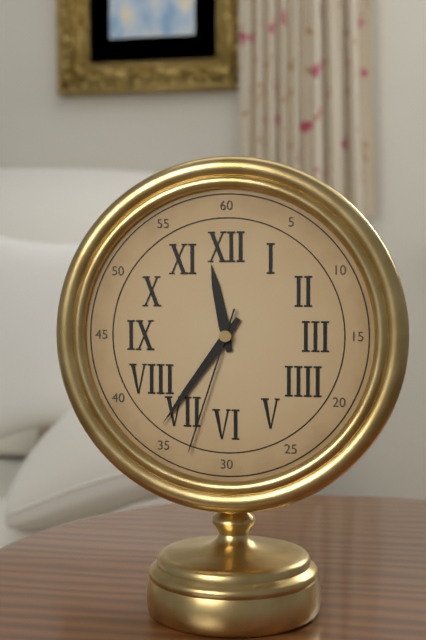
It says 11 h 36 min 33 s
